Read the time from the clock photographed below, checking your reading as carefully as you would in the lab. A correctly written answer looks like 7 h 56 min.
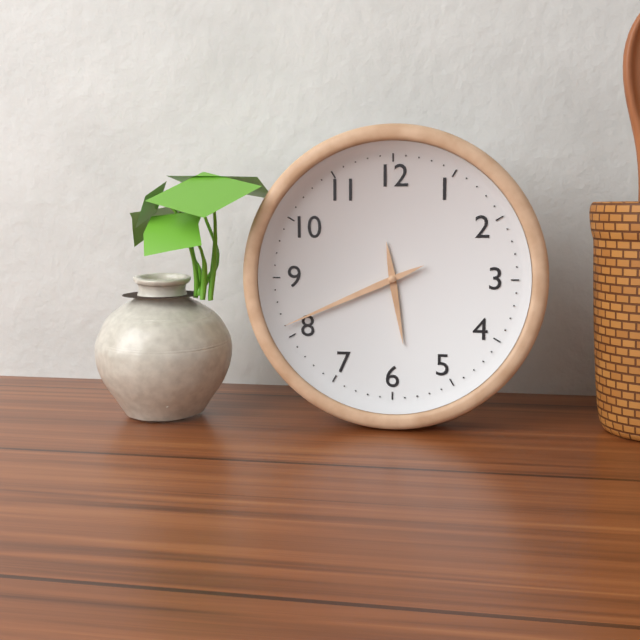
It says 5 h 41 min
